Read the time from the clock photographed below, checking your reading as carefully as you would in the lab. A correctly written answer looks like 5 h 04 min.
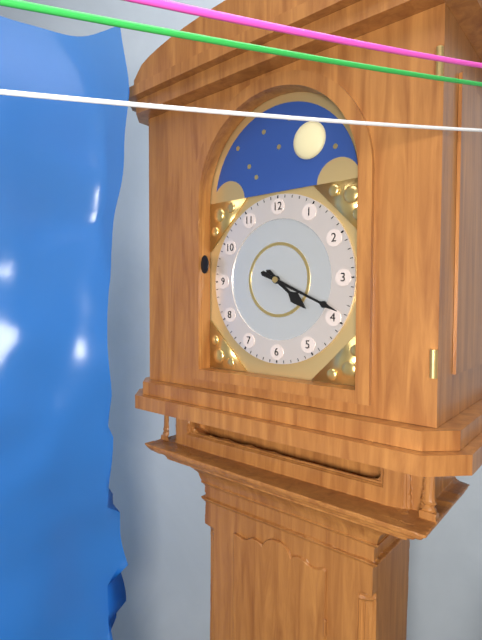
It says 4 h 19 min
